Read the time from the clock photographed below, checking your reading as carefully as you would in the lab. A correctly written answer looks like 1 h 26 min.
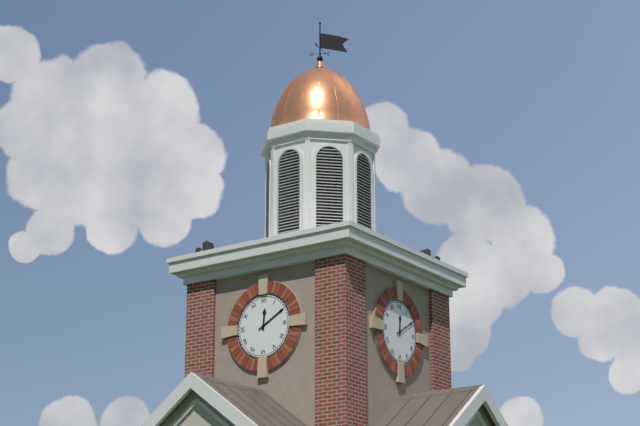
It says 12 h 10 min
